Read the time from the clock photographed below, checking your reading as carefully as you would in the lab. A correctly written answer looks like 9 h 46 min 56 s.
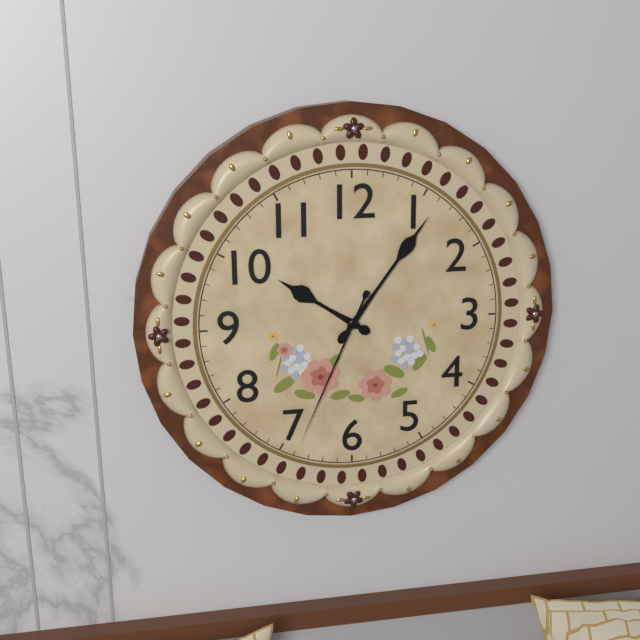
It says 10 h 06 min 34 s
